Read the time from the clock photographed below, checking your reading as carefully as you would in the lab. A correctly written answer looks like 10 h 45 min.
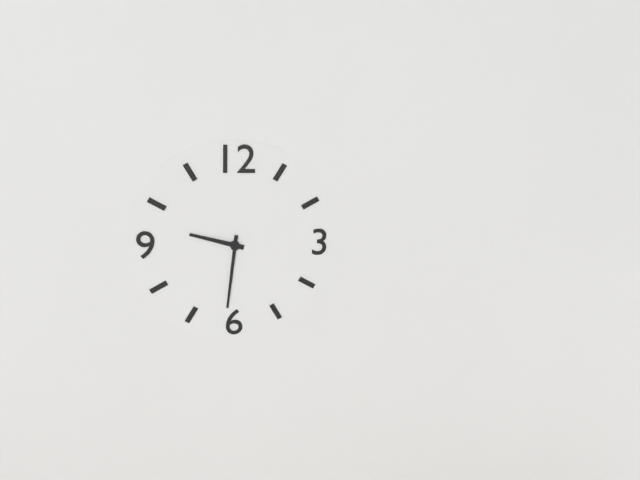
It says 9 h 31 min
